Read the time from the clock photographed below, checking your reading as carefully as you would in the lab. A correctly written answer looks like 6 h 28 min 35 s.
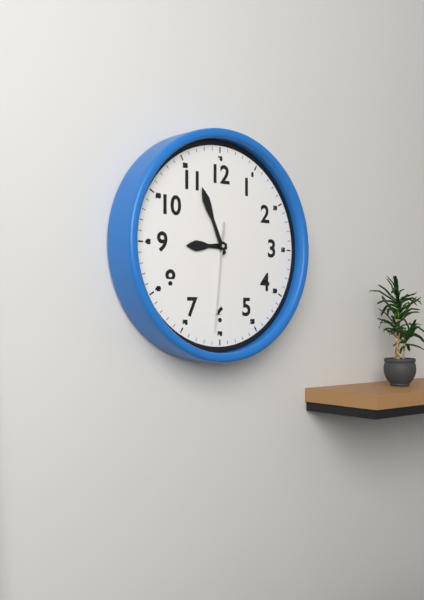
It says 8 h 56 min 31 s
